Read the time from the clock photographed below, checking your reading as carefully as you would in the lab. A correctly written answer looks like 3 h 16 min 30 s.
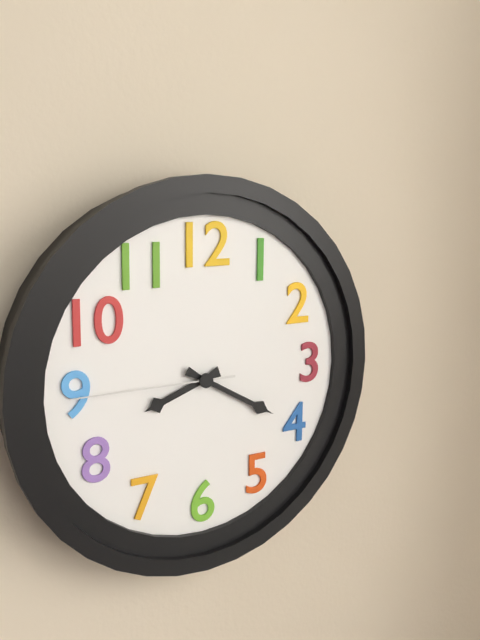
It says 8 h 20 min 45 s
